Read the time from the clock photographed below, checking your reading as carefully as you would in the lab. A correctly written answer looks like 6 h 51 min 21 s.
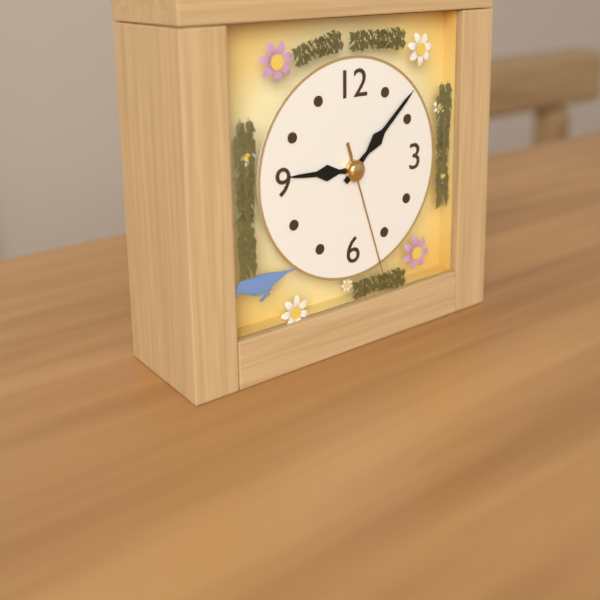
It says 9 h 08 min 27 s
